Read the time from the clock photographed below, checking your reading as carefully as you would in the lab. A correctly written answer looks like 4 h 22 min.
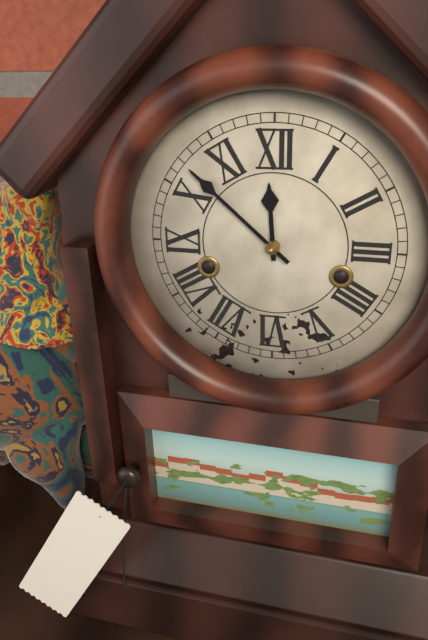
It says 11 h 52 min
